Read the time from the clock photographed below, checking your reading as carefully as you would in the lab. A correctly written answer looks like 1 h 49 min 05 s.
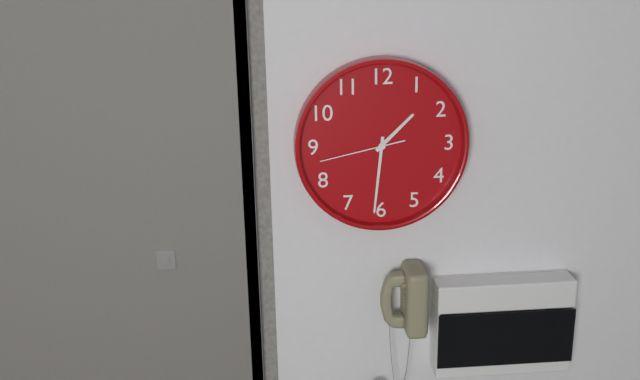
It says 1 h 31 min 43 s
